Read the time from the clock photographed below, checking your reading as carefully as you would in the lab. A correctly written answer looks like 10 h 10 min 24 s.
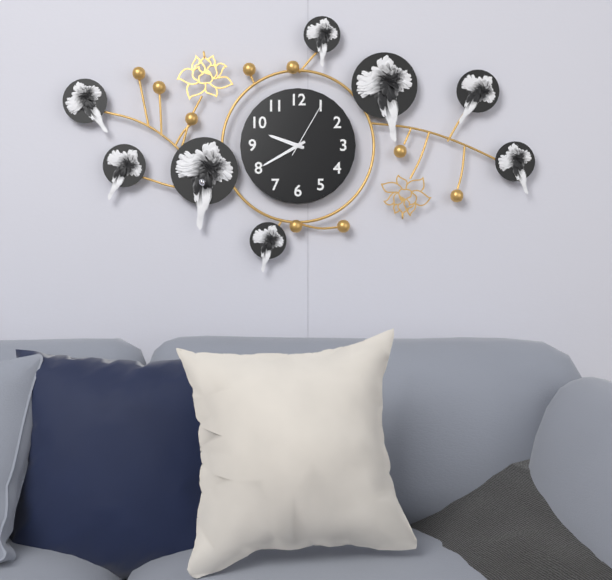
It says 9 h 40 min 05 s
